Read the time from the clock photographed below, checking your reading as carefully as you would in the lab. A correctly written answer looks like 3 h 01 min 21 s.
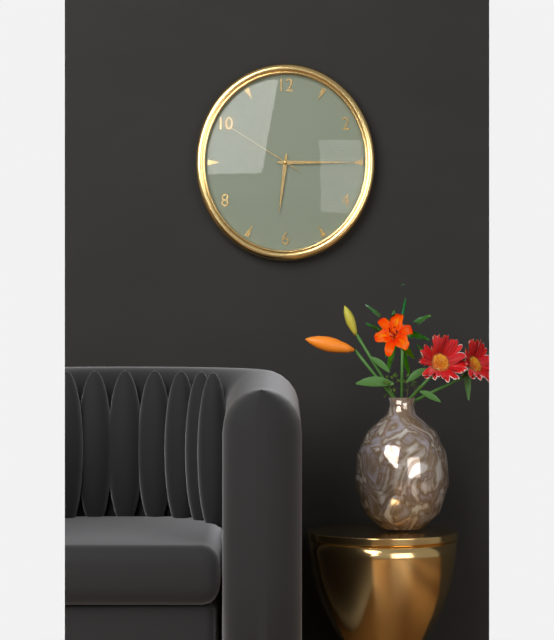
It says 6 h 15 min 50 s
